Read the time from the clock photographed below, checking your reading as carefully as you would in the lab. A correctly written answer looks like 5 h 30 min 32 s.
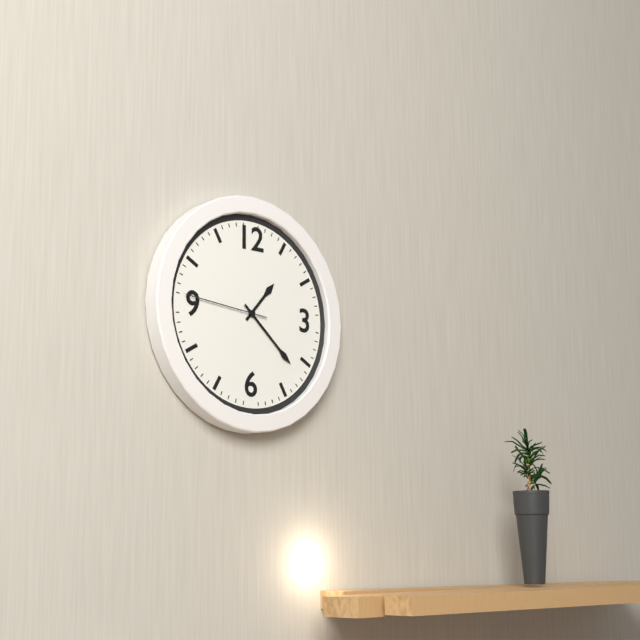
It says 1 h 22 min 46 s
